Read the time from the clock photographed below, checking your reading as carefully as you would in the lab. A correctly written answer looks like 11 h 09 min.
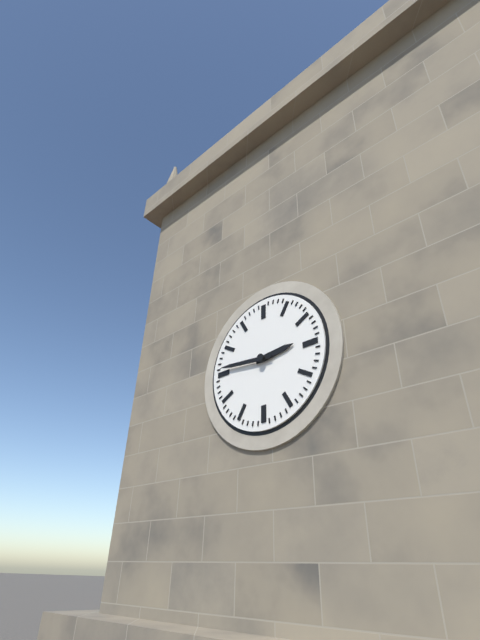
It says 2 h 46 min
